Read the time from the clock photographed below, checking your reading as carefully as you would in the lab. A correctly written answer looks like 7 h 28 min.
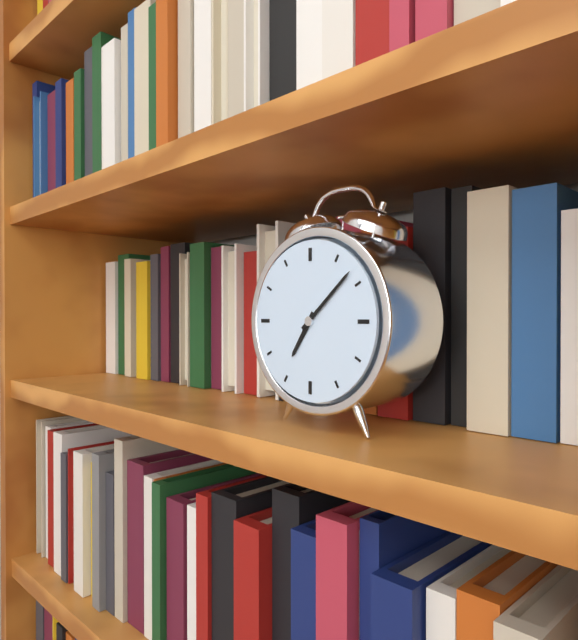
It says 7 h 08 min
